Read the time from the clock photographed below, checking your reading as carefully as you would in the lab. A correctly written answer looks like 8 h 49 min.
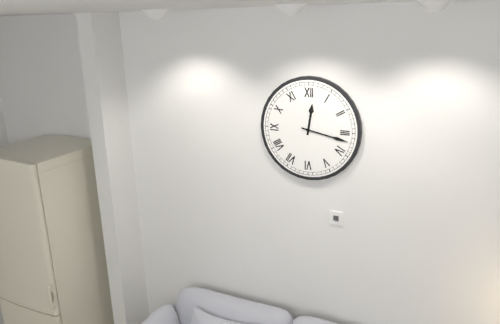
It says 12 h 17 min
